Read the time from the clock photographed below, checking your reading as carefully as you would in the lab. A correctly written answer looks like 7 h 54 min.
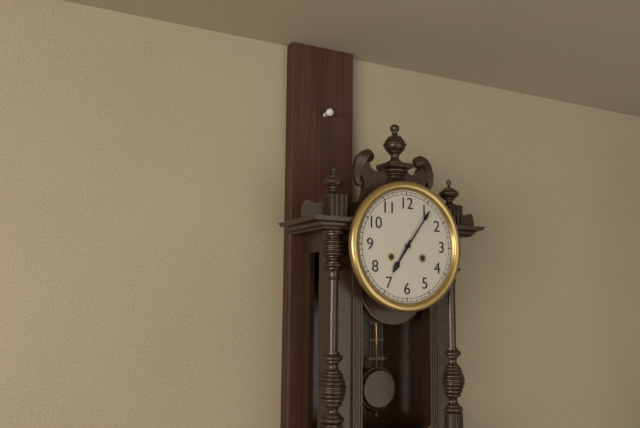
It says 7 h 06 min
